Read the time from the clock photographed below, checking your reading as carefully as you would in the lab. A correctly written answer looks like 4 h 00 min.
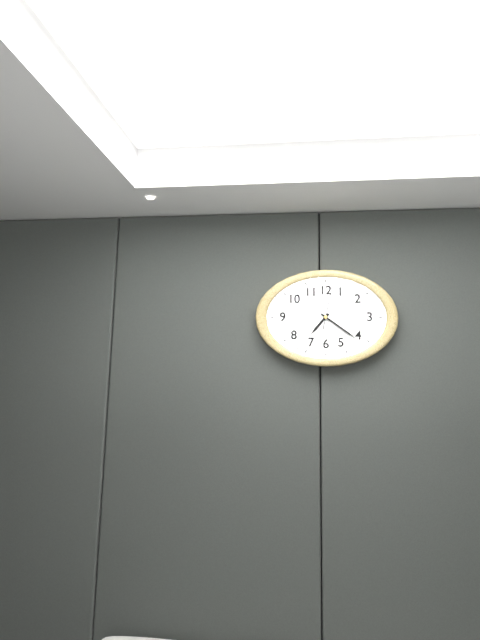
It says 7 h 21 min
